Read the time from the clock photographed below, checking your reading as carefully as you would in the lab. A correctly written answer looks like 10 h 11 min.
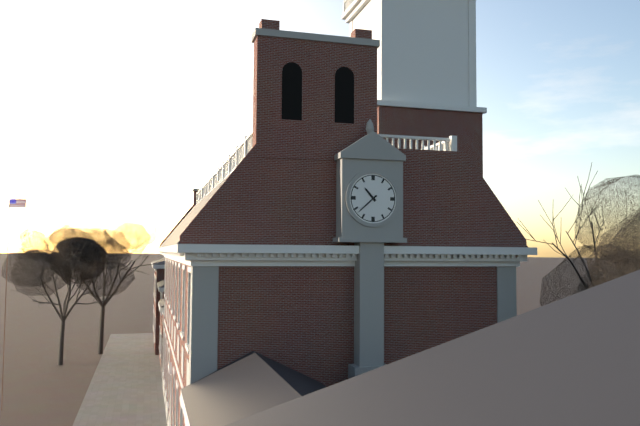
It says 10 h 38 min
